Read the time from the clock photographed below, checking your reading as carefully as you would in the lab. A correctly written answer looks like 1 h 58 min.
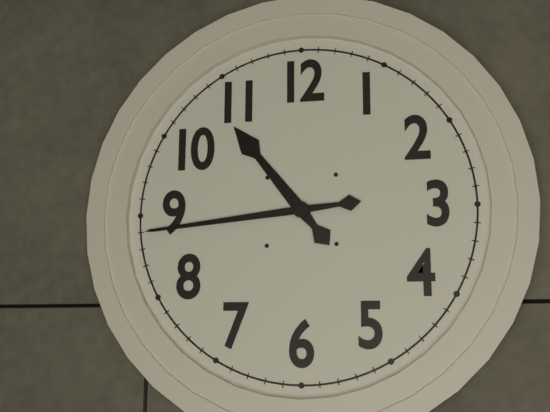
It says 10 h 44 min
